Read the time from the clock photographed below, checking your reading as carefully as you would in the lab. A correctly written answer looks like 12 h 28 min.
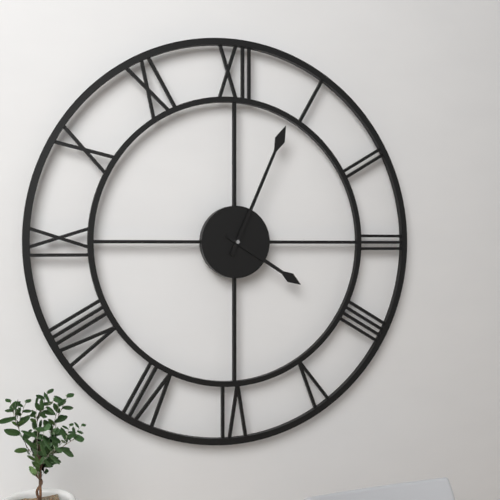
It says 4 h 04 min
